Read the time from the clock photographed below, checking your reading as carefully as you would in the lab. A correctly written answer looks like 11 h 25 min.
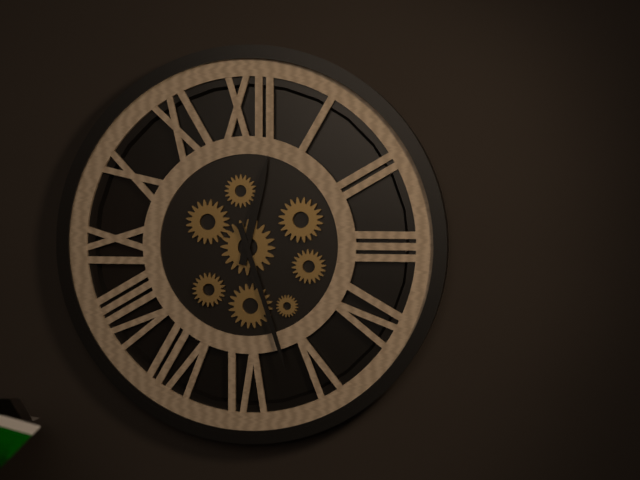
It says 12 h 27 min
